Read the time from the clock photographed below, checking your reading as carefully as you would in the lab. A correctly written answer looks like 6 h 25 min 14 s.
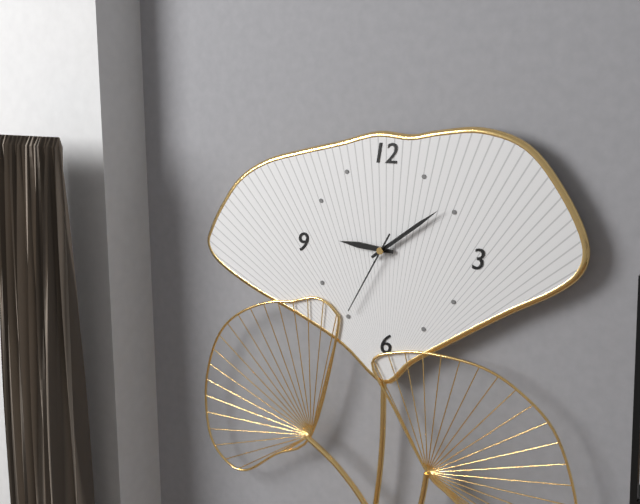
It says 9 h 09 min 35 s
